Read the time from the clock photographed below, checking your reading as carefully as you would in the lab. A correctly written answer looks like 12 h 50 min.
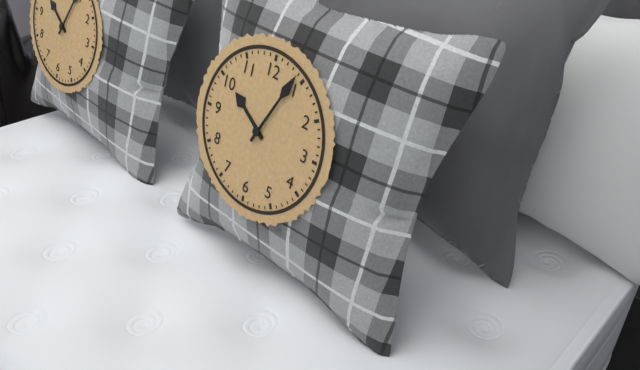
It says 10 h 04 min
